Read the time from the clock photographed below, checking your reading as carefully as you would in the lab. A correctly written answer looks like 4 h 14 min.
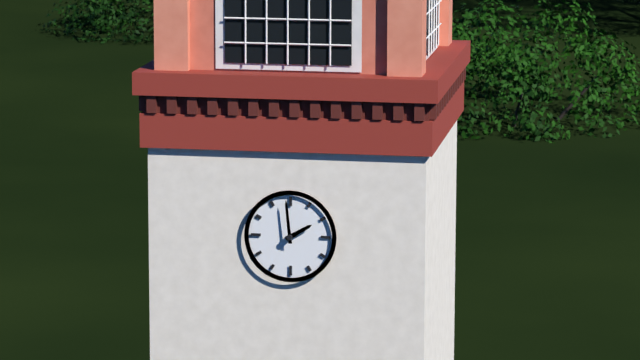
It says 1 h 59 min
